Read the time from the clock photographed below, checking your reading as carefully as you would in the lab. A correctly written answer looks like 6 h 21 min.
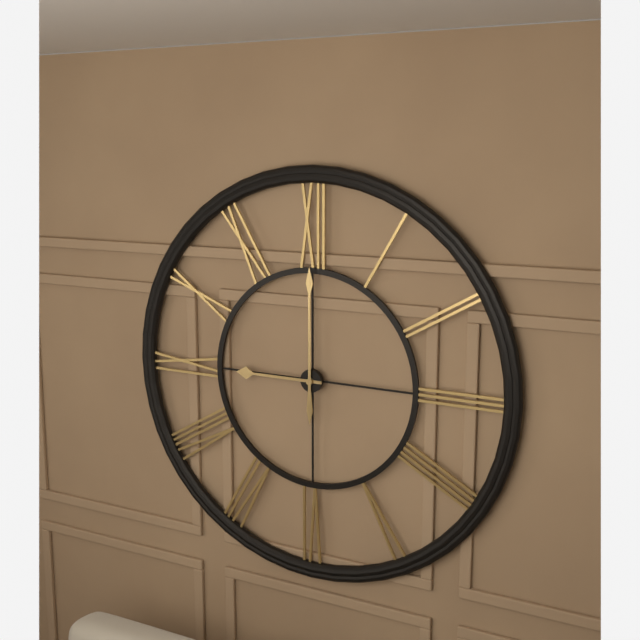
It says 9 h 00 min
